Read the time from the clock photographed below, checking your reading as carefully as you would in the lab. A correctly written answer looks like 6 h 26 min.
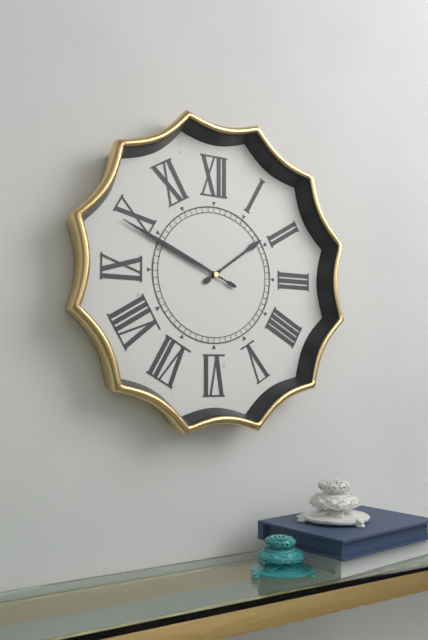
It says 1 h 49 min
